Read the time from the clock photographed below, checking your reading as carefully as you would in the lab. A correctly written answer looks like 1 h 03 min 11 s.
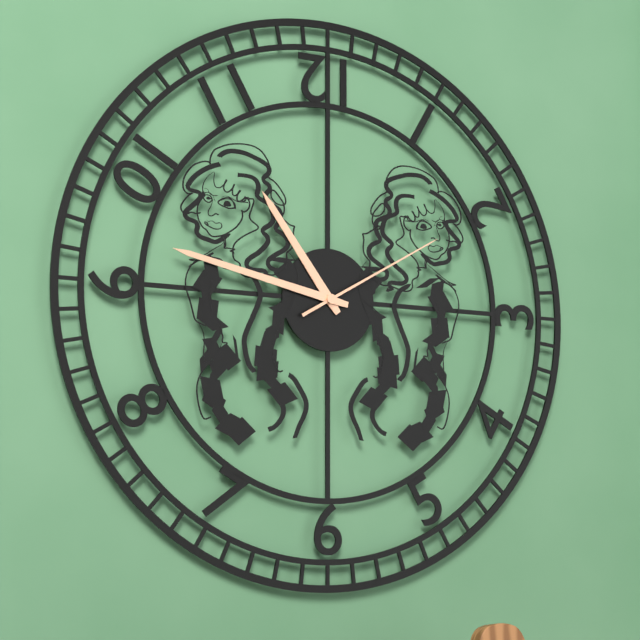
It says 10 h 47 min 10 s
